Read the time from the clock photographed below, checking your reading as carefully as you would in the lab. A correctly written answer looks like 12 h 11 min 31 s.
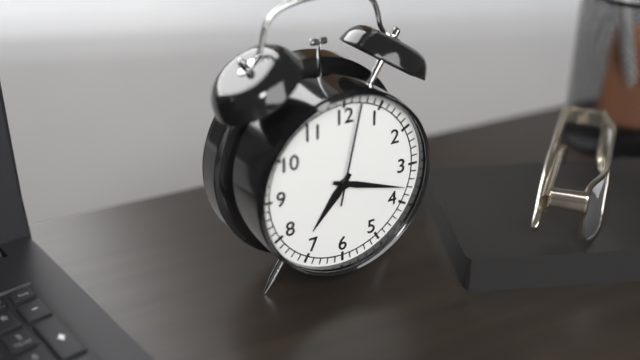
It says 7 h 18 min 02 s
